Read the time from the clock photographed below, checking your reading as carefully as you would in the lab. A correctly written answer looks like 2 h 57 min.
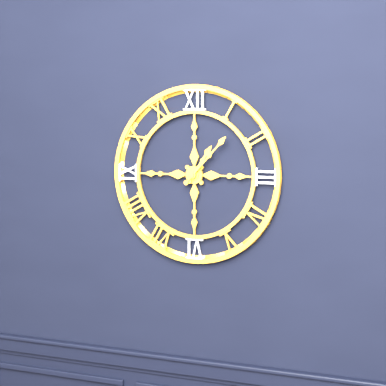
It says 1 h 07 min
